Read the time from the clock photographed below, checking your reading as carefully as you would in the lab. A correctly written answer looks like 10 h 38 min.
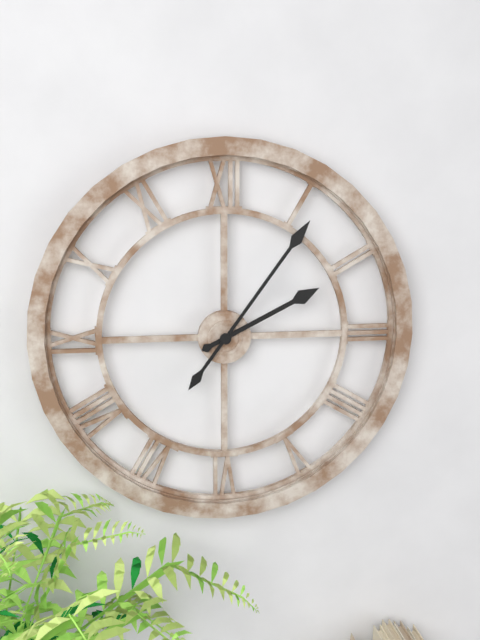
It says 2 h 06 min
